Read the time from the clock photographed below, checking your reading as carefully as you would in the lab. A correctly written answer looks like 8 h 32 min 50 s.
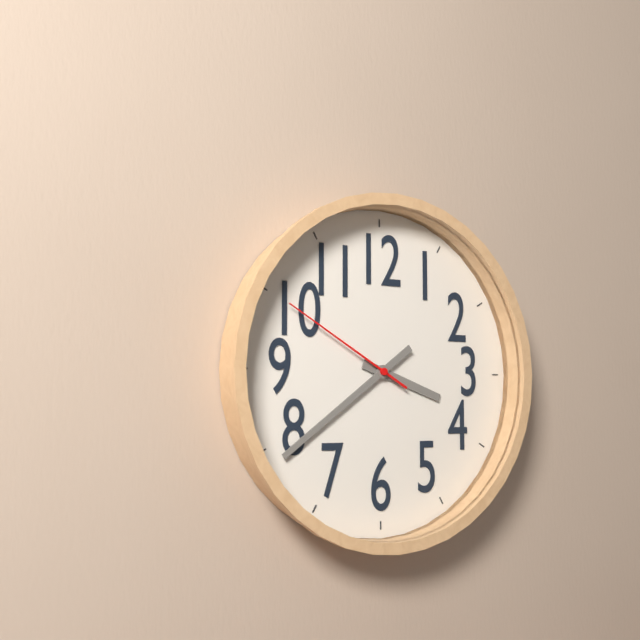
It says 3 h 39 min 50 s
